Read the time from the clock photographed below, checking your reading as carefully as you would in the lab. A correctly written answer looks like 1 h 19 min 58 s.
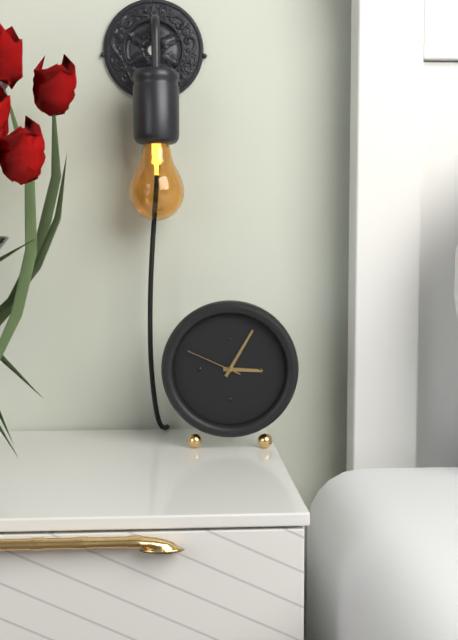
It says 3 h 05 min 49 s
